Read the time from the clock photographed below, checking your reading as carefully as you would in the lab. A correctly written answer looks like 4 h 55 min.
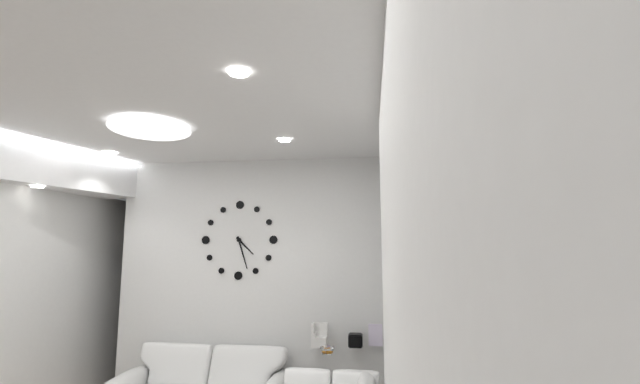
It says 4 h 27 min
